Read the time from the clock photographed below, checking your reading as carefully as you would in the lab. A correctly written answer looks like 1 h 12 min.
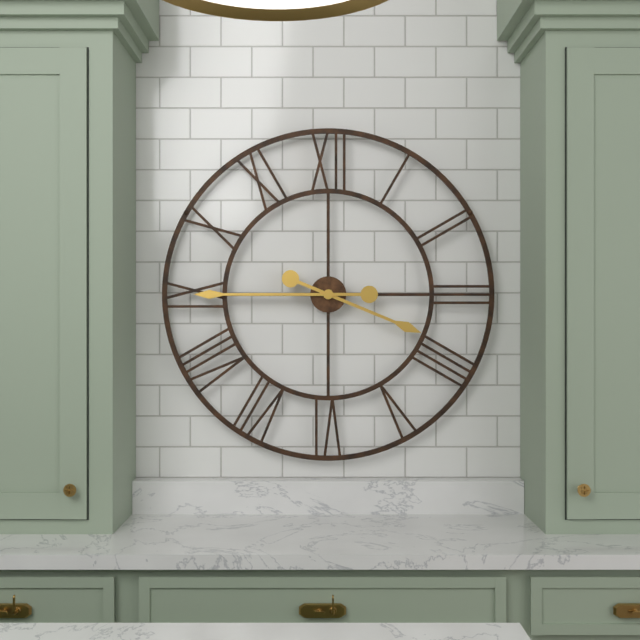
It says 3 h 45 min
